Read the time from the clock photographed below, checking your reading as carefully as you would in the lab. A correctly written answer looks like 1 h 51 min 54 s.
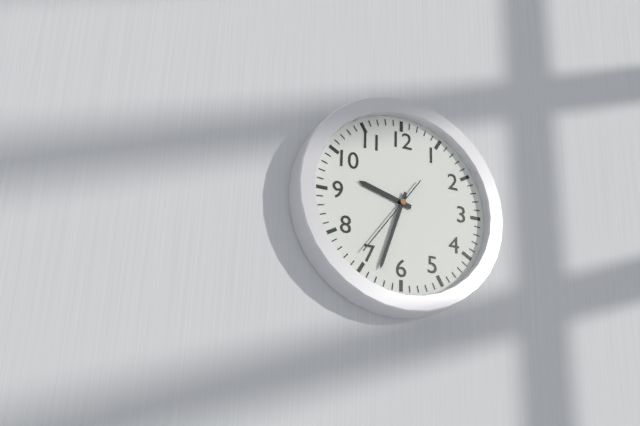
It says 9 h 33 min 36 s
